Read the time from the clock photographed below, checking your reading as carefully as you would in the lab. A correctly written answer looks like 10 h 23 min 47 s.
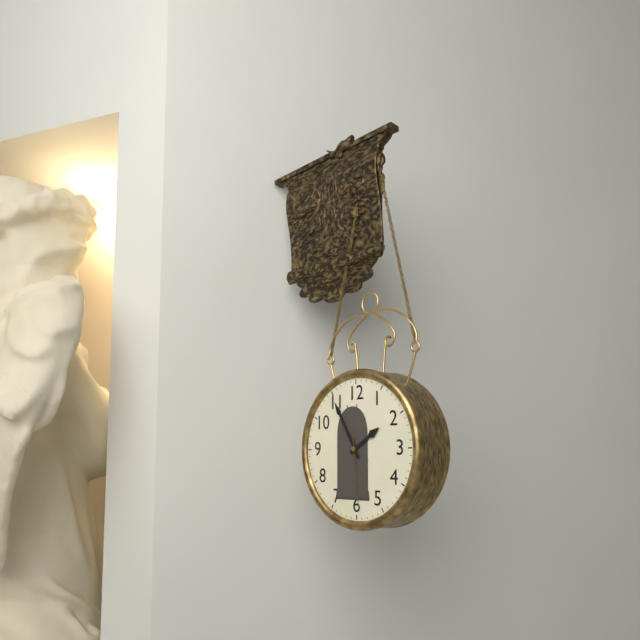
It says 1 h 55 min 29 s
